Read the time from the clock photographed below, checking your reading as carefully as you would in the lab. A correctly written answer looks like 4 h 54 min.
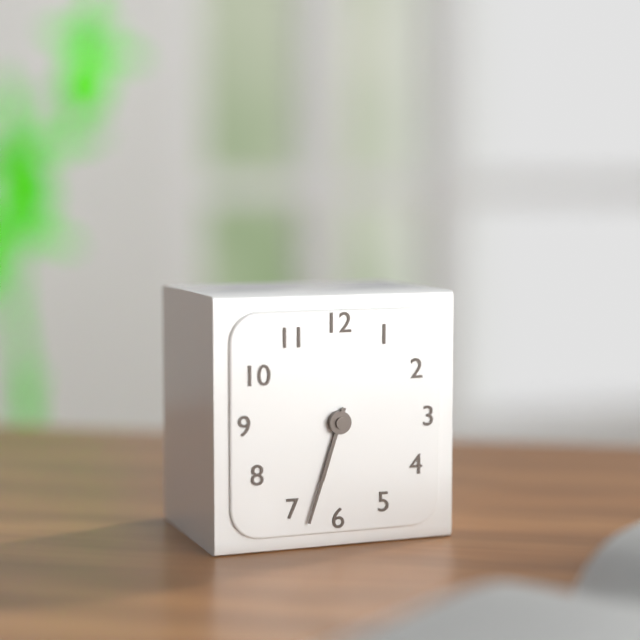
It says 6 h 33 min
